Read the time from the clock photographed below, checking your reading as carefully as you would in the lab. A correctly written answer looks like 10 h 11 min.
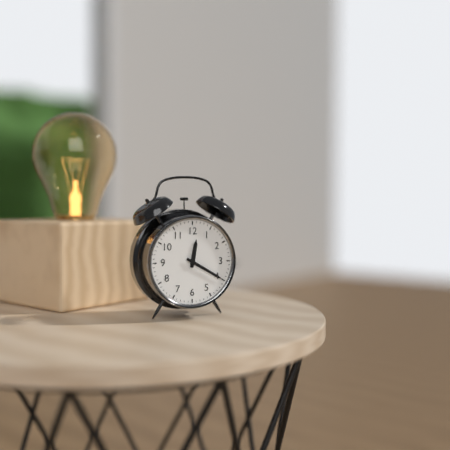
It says 12 h 20 min
